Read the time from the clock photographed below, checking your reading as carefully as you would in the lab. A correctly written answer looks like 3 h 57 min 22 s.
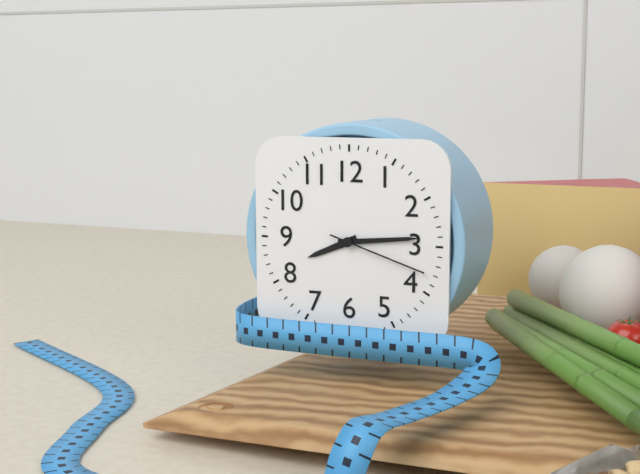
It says 8 h 14 min 18 s
